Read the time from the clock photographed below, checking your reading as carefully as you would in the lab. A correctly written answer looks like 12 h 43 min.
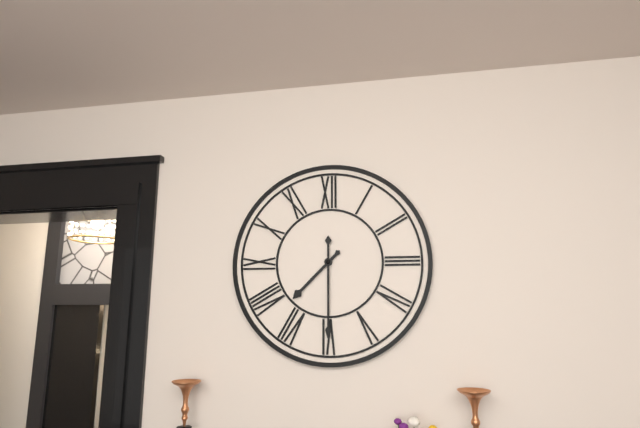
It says 7 h 30 min
